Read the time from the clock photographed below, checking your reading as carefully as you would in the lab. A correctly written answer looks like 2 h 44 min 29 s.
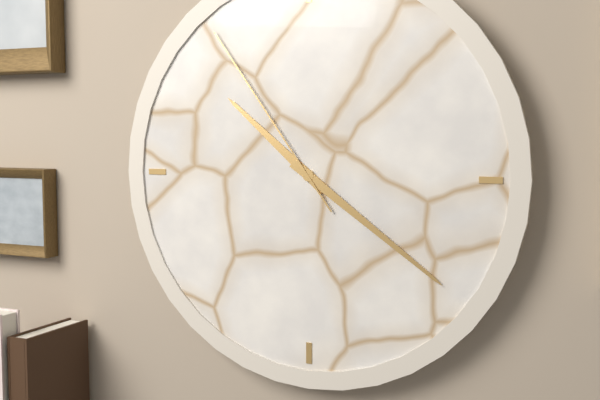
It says 10 h 21 min 54 s
